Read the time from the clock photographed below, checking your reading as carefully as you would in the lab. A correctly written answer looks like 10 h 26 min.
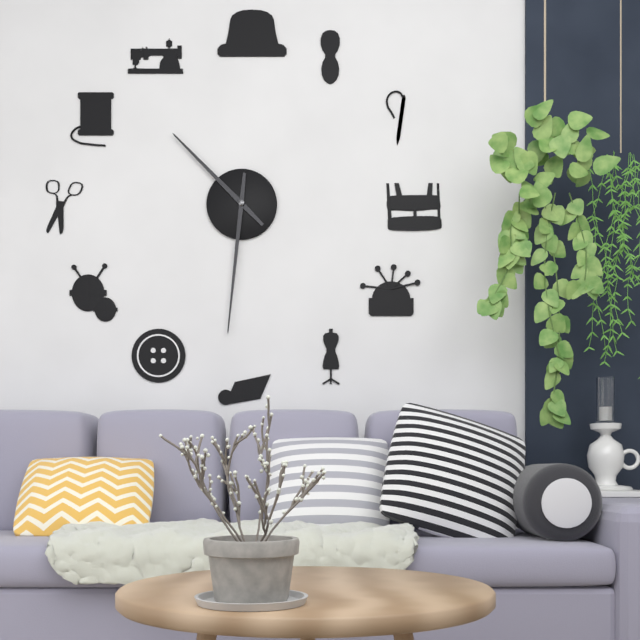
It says 10 h 31 min
